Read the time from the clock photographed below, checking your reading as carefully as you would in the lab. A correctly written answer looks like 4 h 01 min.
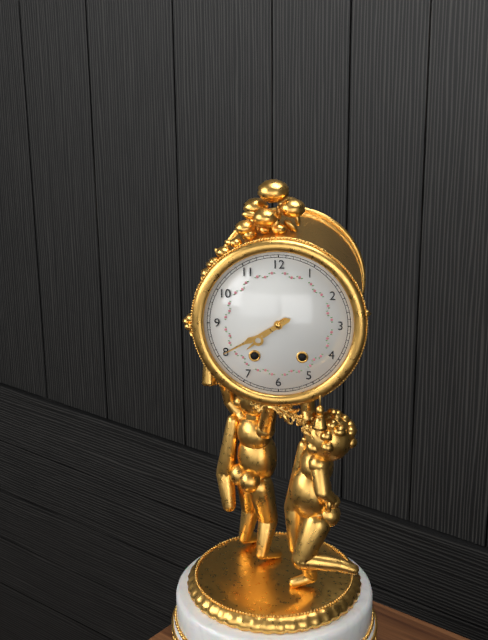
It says 7 h 40 min
